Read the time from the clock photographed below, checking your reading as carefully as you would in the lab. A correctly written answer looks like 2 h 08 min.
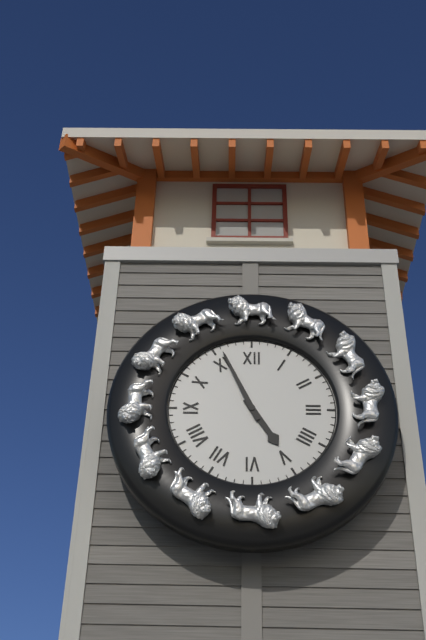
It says 4 h 56 min
